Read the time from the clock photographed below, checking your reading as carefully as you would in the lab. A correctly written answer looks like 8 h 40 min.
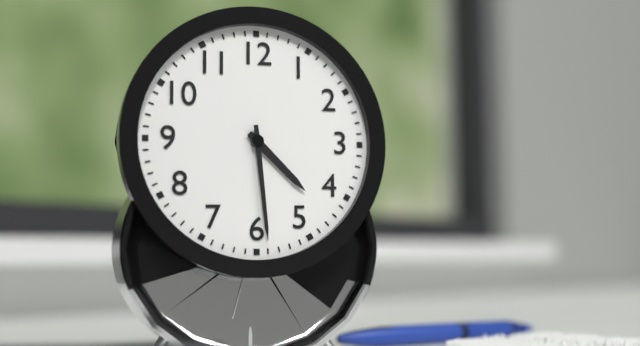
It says 4 h 29 min
